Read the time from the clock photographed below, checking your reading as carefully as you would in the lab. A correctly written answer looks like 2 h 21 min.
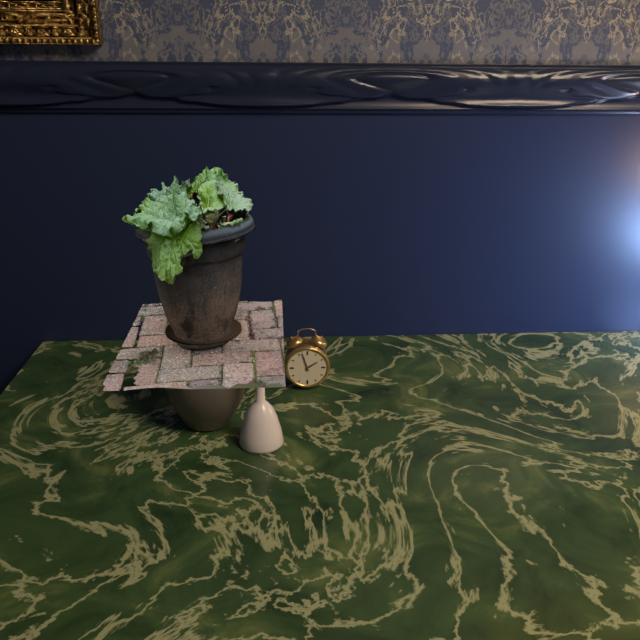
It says 1 h 57 min
